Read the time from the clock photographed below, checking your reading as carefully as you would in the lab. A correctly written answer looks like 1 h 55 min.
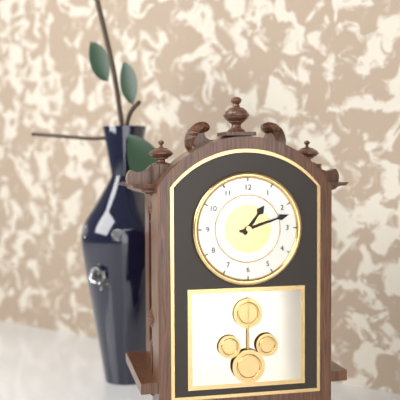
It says 1 h 12 min
